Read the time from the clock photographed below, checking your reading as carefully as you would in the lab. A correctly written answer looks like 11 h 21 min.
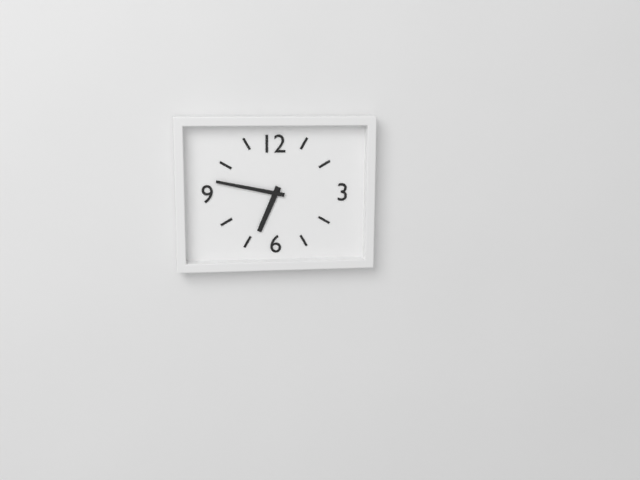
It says 6 h 47 min
